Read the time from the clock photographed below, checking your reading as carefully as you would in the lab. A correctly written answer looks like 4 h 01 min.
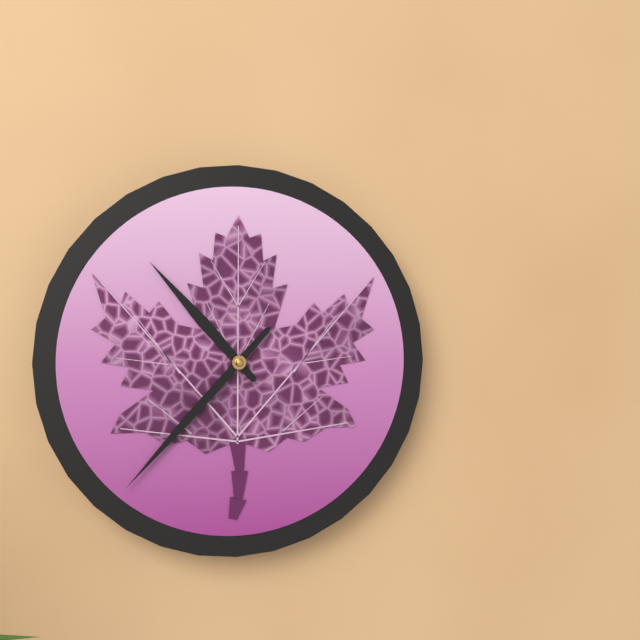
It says 10 h 37 min
